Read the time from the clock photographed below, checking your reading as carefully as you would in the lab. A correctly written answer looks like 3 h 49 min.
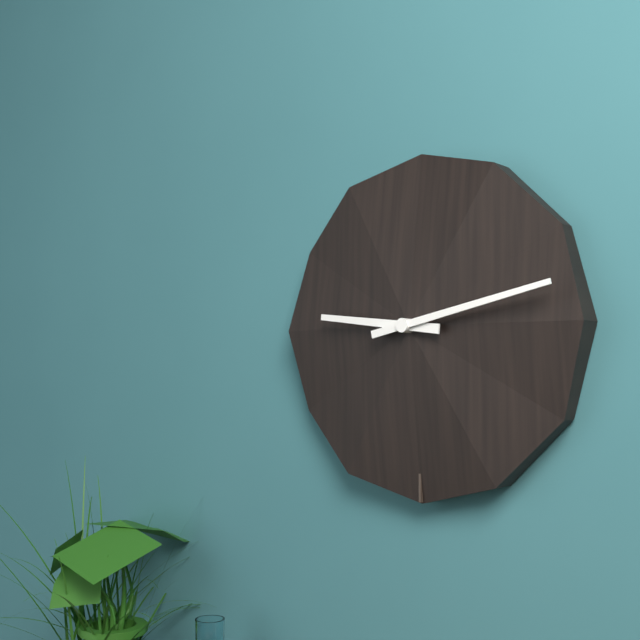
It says 9 h 13 min
